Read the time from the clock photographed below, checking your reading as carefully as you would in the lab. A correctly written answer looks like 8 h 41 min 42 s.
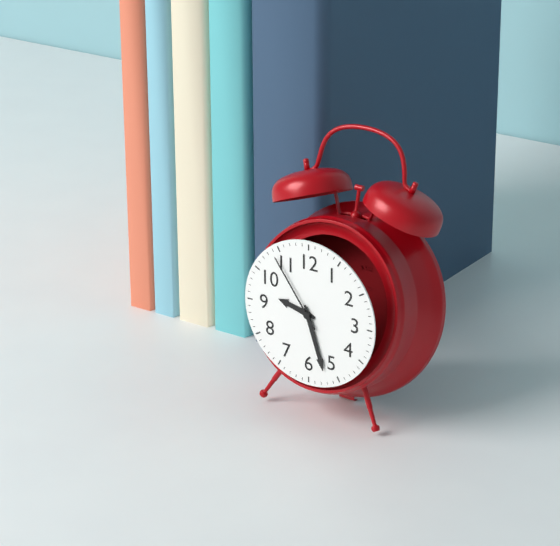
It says 9 h 27 min 54 s
